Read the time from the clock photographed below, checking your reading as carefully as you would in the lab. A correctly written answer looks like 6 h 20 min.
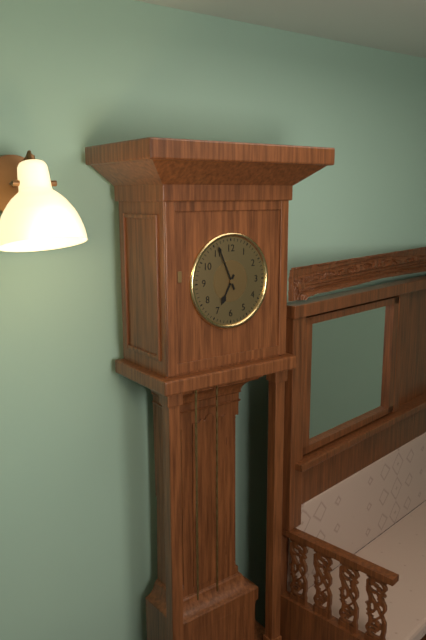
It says 6 h 56 min
